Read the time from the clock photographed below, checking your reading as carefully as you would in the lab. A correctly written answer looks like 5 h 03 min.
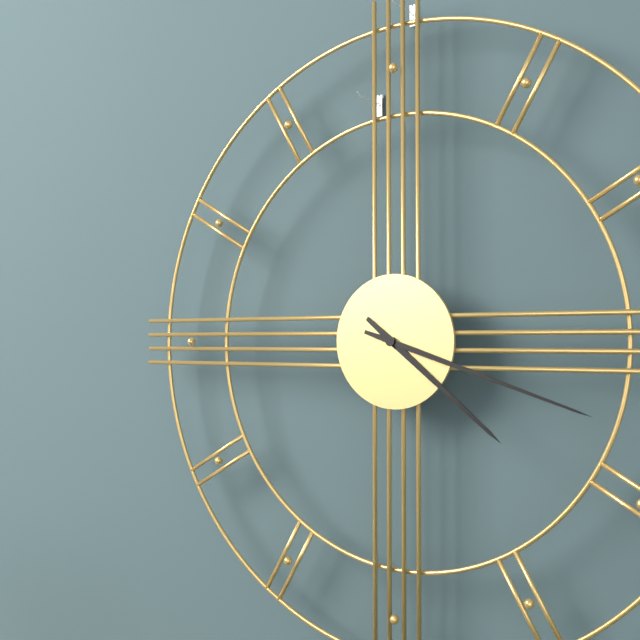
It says 4 h 18 min
